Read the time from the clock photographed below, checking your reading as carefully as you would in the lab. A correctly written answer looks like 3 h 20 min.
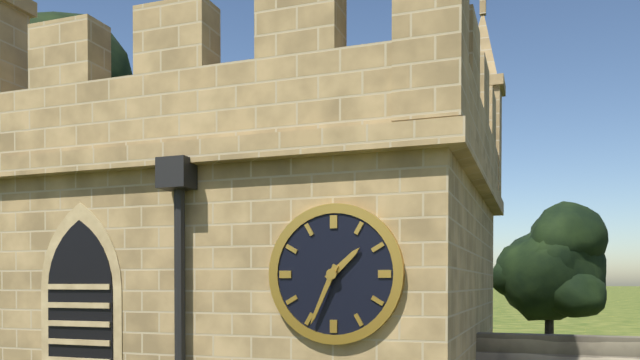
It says 1 h 34 min
